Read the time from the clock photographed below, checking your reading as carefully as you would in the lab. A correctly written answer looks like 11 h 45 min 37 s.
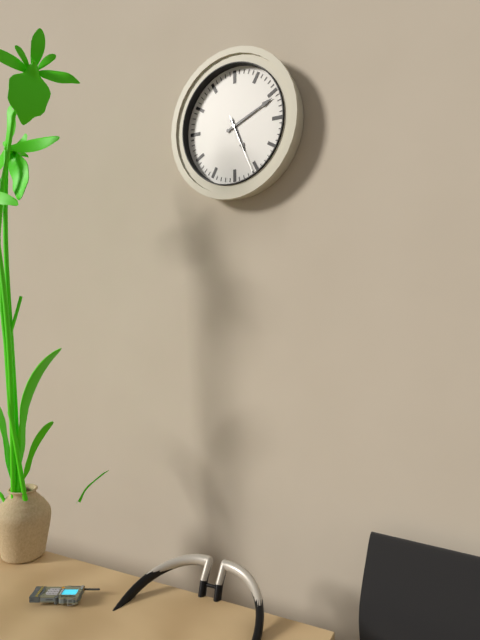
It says 5 h 11 min 26 s
